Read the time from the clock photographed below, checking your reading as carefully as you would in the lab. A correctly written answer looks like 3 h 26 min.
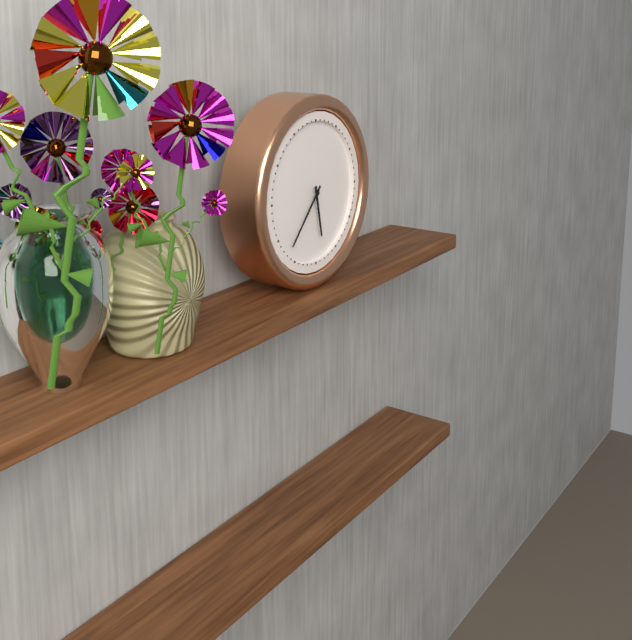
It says 5 h 37 min
